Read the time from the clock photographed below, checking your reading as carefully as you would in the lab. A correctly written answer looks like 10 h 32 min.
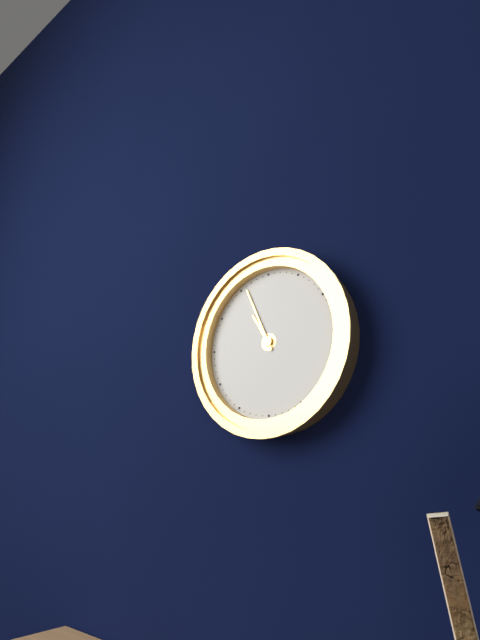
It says 10 h 56 min
